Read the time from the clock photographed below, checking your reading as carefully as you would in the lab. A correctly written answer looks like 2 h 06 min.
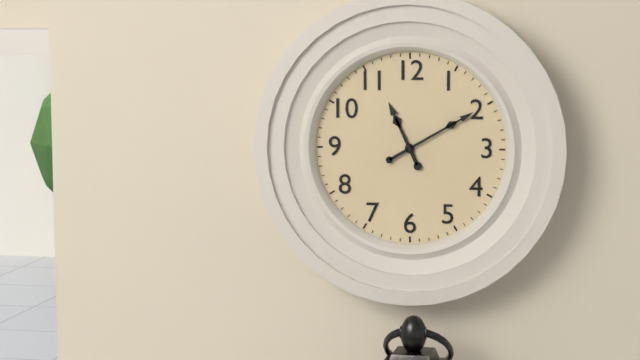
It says 11 h 10 min
